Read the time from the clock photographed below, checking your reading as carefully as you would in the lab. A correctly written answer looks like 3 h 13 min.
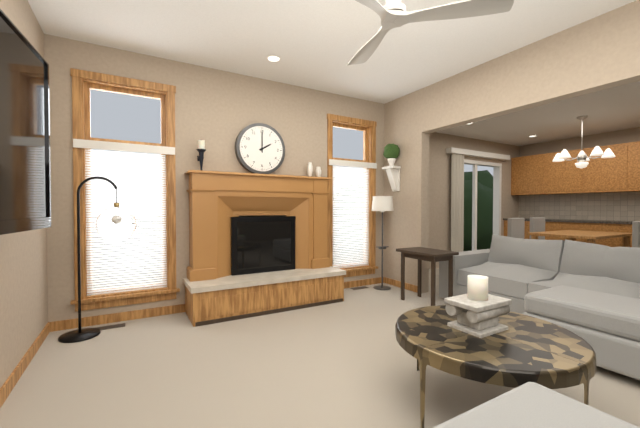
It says 2 h 00 min
